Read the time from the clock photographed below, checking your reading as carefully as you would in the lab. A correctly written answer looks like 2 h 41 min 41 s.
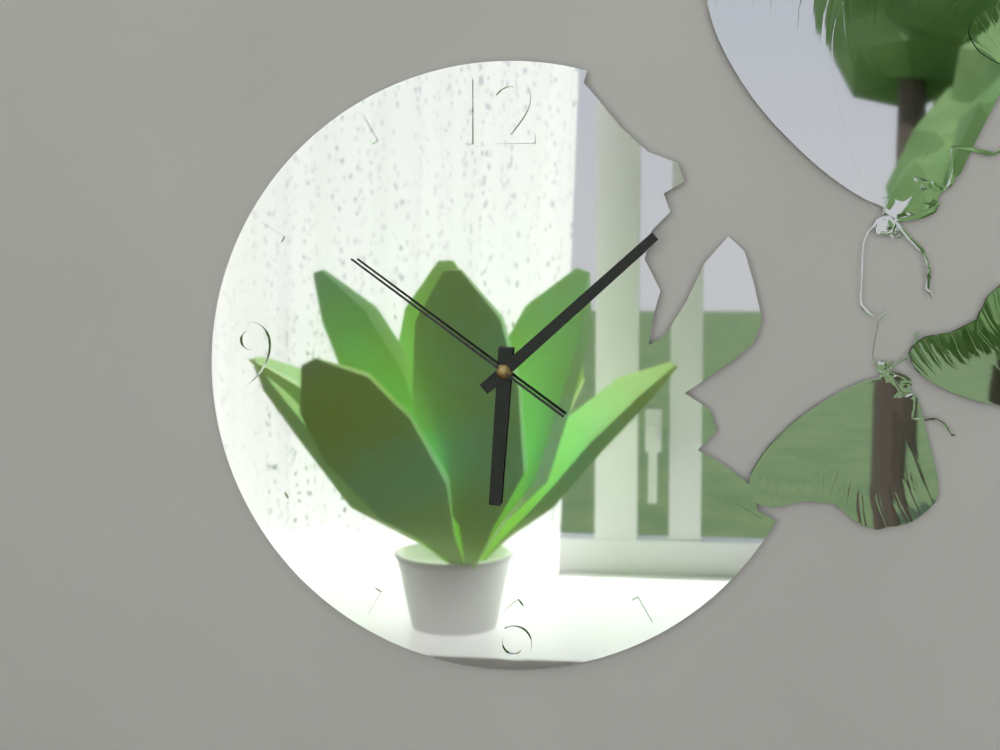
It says 6 h 08 min 51 s
